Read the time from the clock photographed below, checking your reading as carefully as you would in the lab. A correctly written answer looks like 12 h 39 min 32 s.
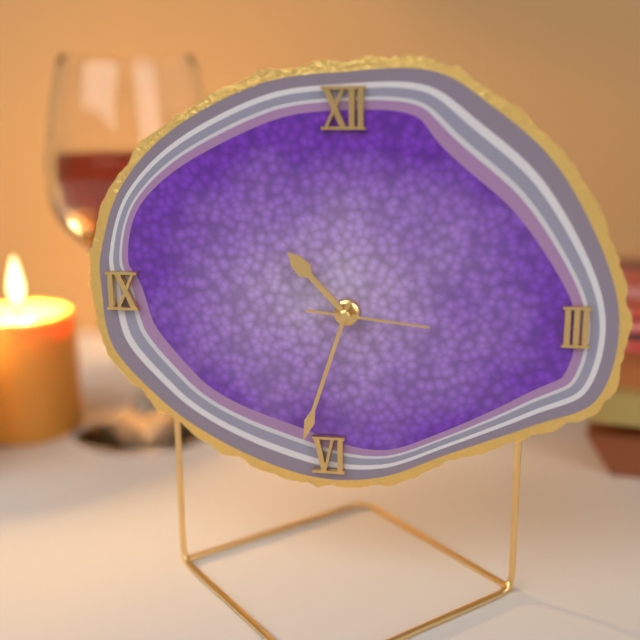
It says 10 h 33 min 16 s
